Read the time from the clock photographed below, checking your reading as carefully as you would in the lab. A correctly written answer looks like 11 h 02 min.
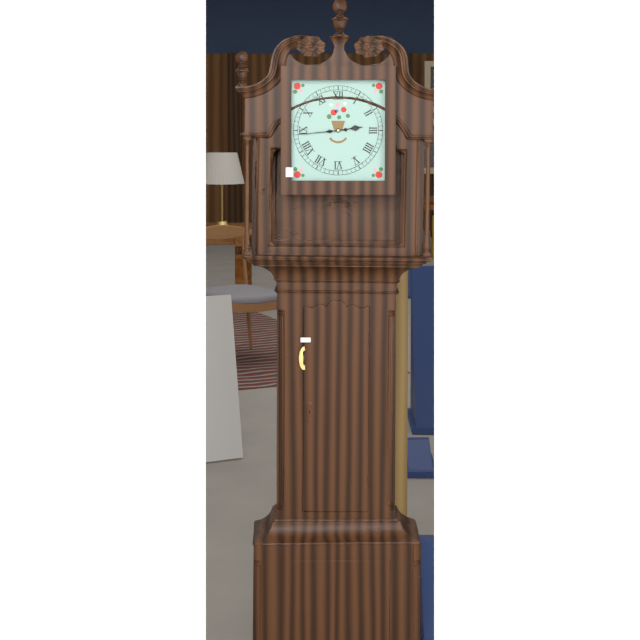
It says 2 h 44 min
